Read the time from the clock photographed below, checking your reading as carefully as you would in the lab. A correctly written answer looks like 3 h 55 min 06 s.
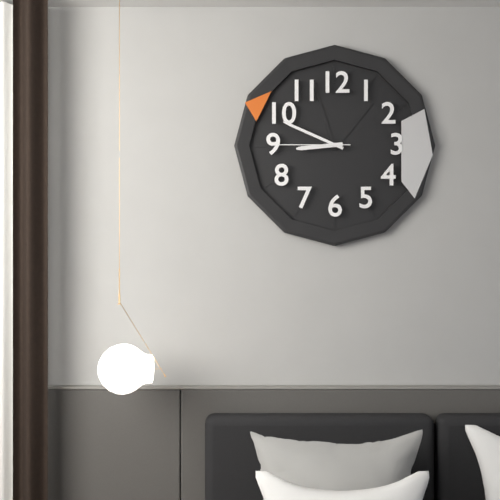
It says 8 h 49 min 45 s
